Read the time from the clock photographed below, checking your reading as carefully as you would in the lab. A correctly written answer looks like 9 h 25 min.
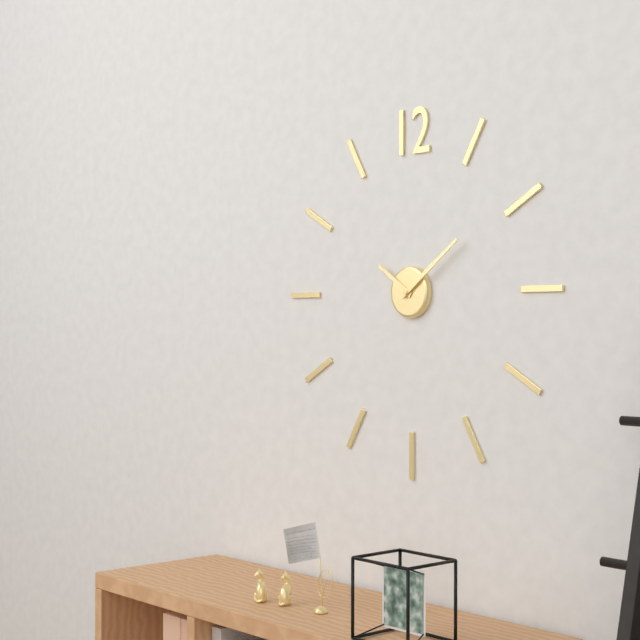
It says 10 h 09 min
